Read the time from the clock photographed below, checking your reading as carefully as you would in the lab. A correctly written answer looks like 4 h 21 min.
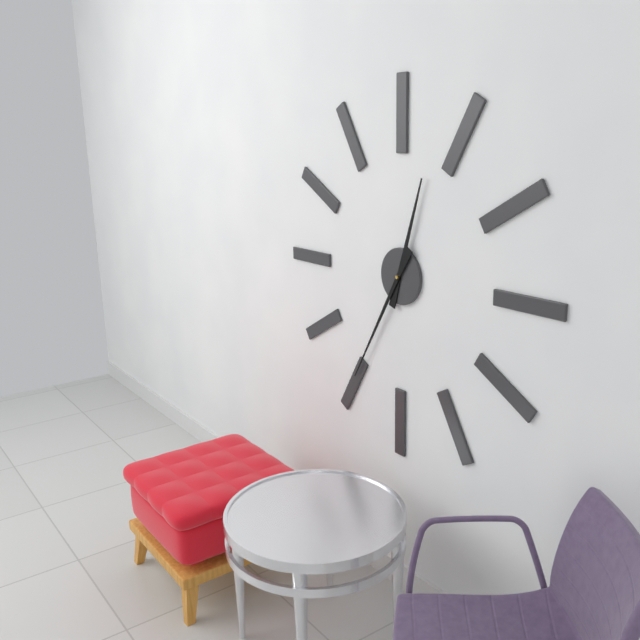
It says 12 h 35 min
